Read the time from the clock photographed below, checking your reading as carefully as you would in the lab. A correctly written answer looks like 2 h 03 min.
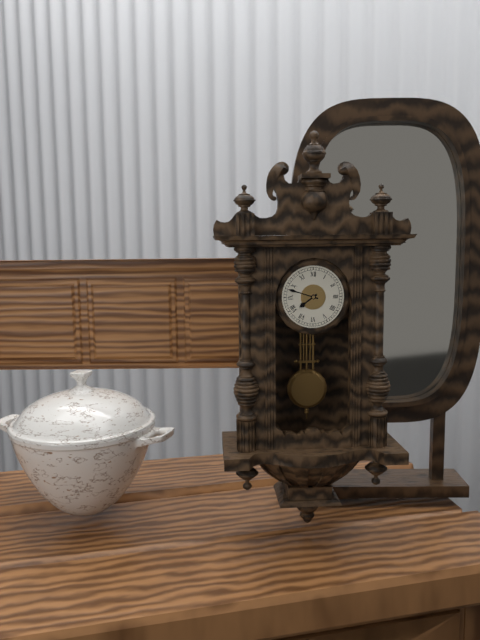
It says 7 h 48 min
